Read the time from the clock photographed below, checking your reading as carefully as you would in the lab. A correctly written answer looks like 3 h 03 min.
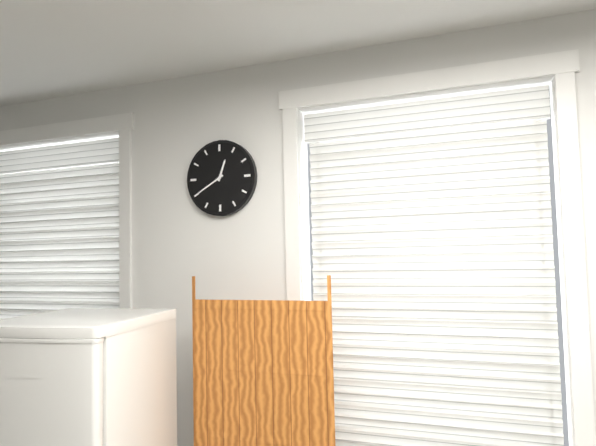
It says 12 h 40 min
